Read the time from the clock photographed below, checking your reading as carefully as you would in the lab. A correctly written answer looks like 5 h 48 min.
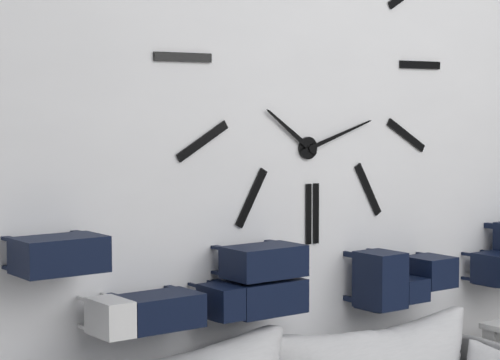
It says 10 h 12 min
